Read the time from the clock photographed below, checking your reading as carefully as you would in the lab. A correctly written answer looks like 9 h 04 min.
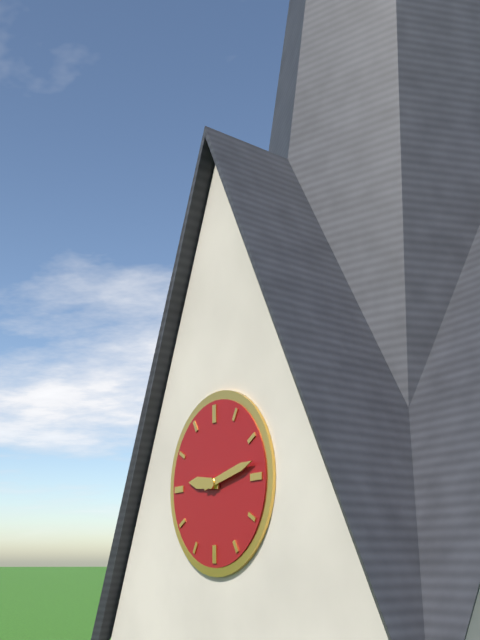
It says 9 h 13 min
